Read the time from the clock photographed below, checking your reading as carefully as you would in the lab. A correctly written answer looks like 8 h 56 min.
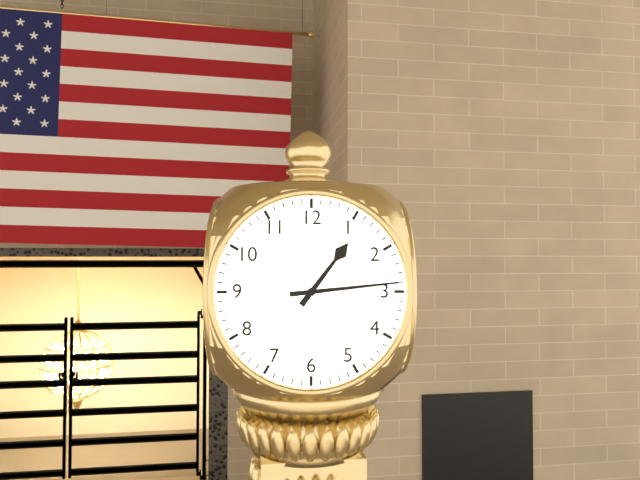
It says 1 h 14 min
